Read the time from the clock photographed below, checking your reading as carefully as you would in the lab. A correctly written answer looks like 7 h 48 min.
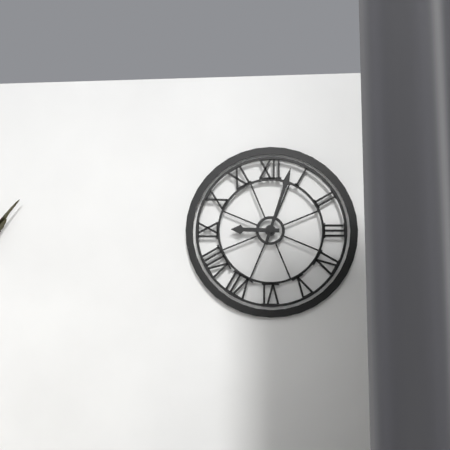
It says 9 h 03 min
